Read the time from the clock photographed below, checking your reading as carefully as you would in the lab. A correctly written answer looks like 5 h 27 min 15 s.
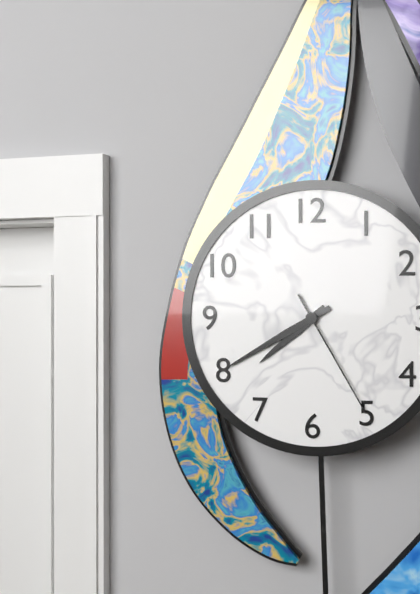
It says 7 h 40 min 25 s
